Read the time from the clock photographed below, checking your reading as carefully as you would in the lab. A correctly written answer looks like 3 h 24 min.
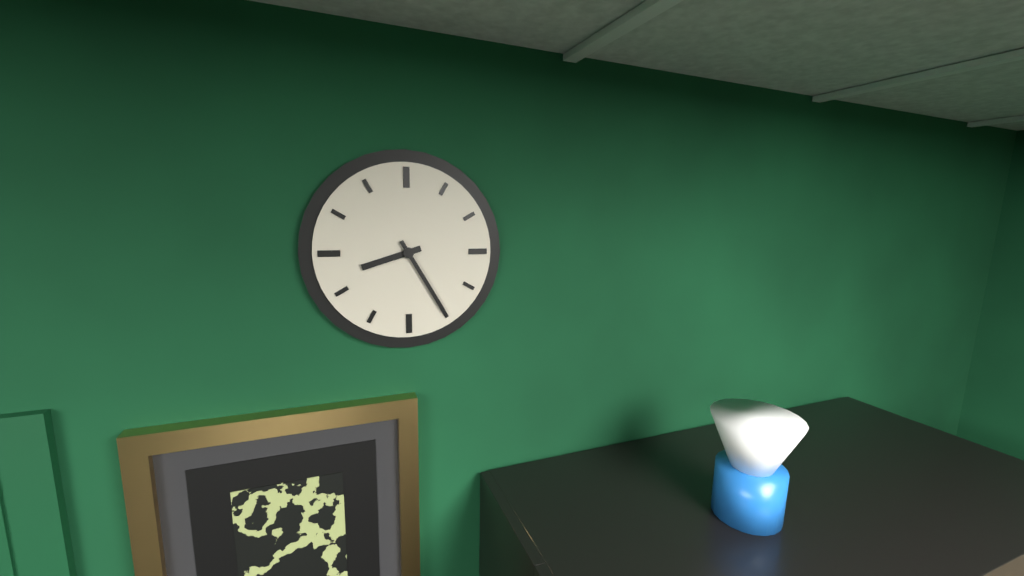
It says 8 h 25 min
